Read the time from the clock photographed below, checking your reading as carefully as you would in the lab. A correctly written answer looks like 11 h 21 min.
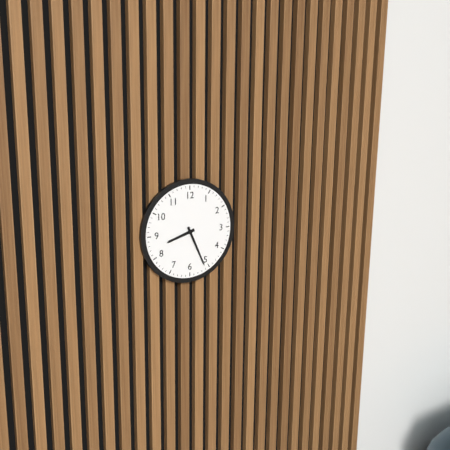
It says 8 h 26 min
